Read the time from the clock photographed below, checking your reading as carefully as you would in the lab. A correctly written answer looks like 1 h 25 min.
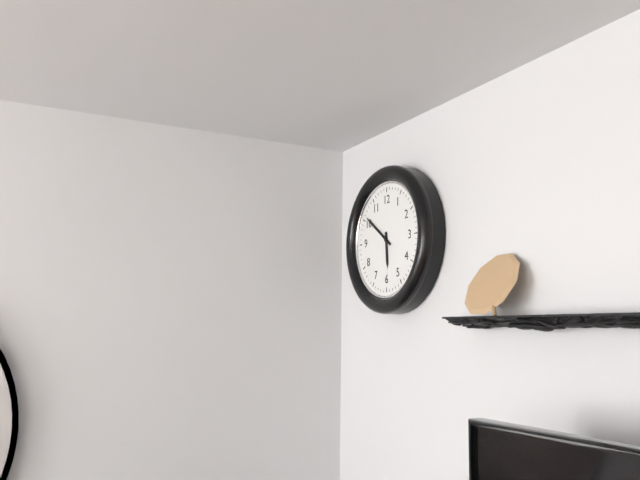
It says 5 h 51 min
